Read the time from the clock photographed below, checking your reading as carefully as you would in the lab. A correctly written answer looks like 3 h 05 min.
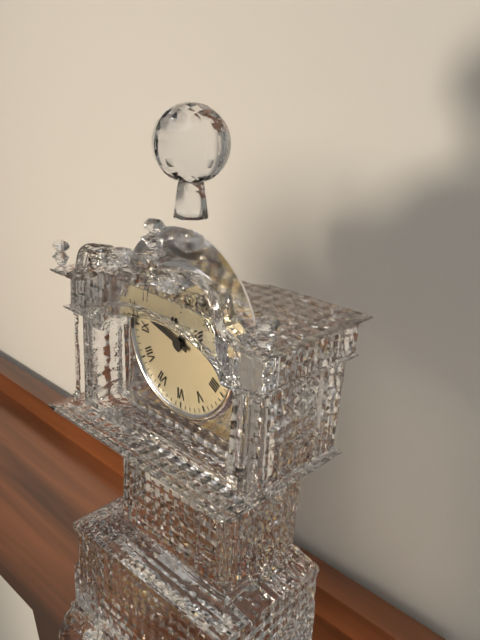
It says 12 h 48 min
